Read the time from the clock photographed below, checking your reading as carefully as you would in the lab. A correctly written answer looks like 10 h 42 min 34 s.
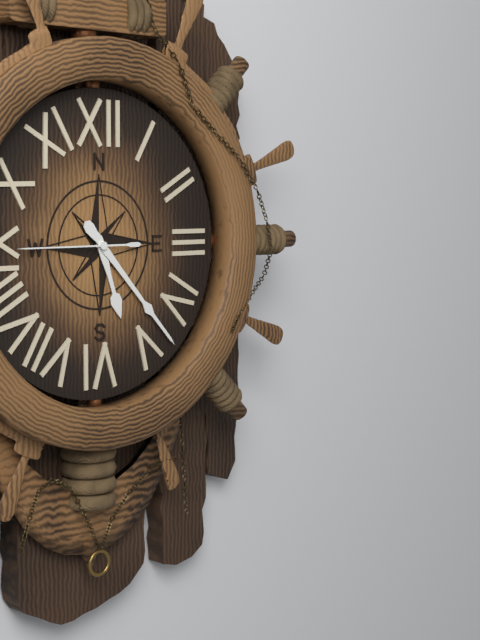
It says 5 h 23 min 45 s
